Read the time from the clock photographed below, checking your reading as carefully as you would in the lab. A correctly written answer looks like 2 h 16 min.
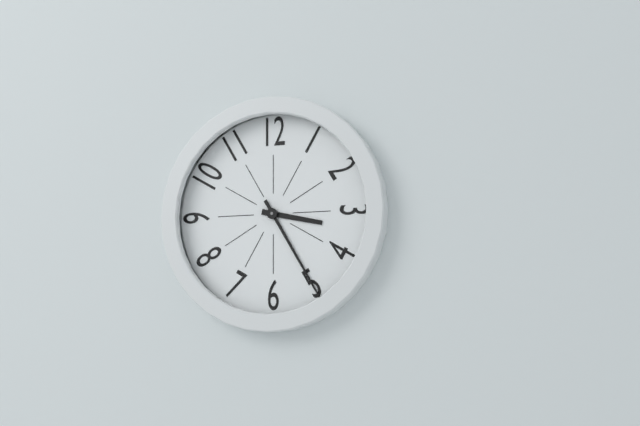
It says 3 h 25 min
